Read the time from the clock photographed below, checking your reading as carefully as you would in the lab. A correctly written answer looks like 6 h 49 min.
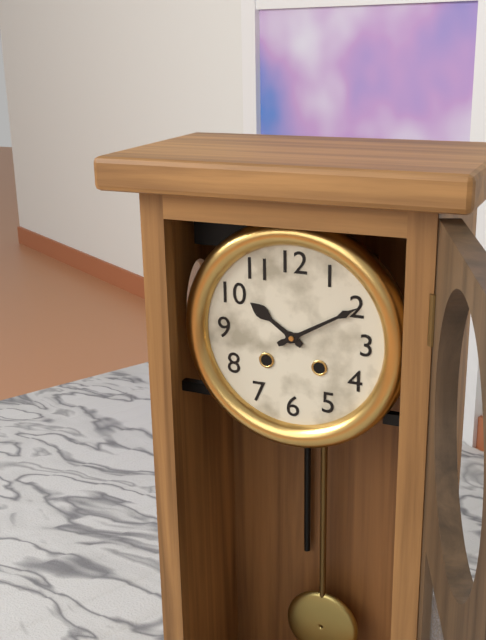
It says 10 h 10 min
